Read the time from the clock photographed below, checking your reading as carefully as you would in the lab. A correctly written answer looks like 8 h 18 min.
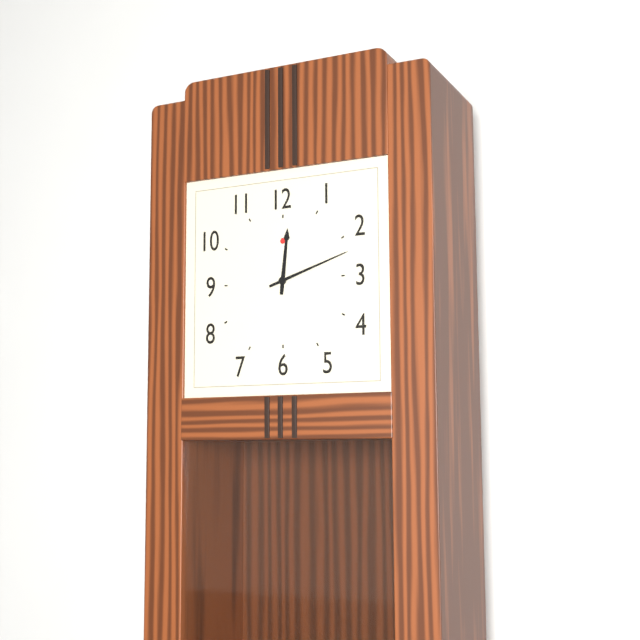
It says 12 h 12 min
